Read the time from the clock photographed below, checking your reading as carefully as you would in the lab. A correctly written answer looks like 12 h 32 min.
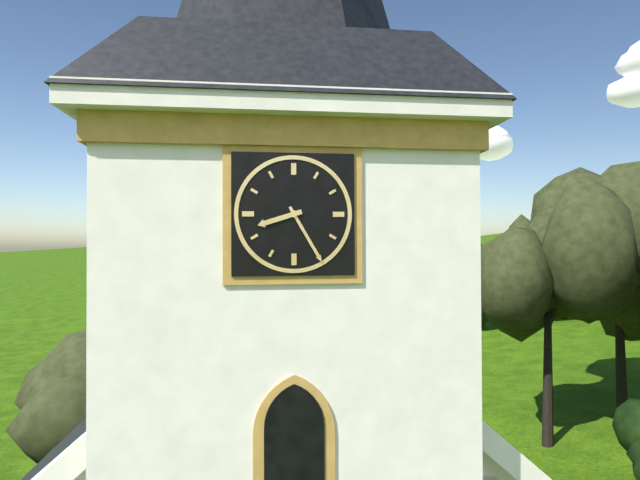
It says 8 h 25 min
